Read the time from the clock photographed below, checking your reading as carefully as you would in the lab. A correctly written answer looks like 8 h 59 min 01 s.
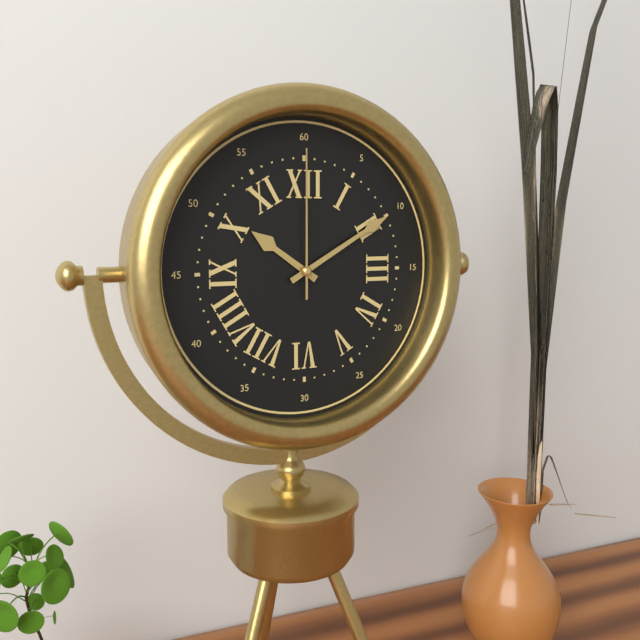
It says 10 h 10 min 00 s
